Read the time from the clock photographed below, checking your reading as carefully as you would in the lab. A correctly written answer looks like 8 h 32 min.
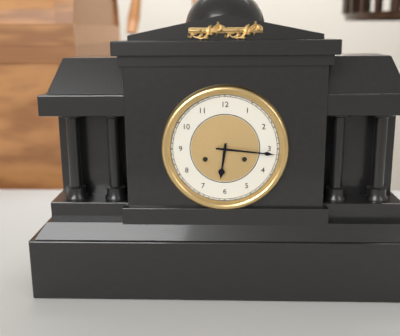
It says 6 h 16 min
